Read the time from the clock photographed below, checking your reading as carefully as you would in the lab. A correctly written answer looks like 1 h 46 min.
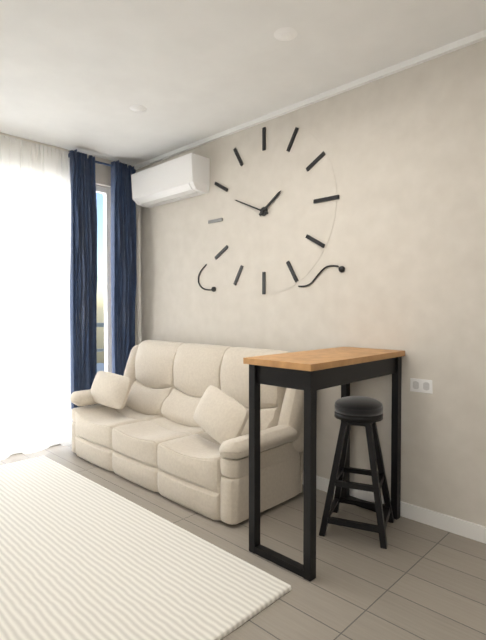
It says 1 h 49 min
